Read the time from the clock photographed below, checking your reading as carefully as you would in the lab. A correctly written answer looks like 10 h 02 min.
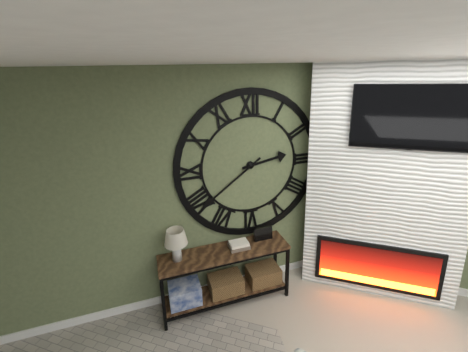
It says 2 h 39 min
